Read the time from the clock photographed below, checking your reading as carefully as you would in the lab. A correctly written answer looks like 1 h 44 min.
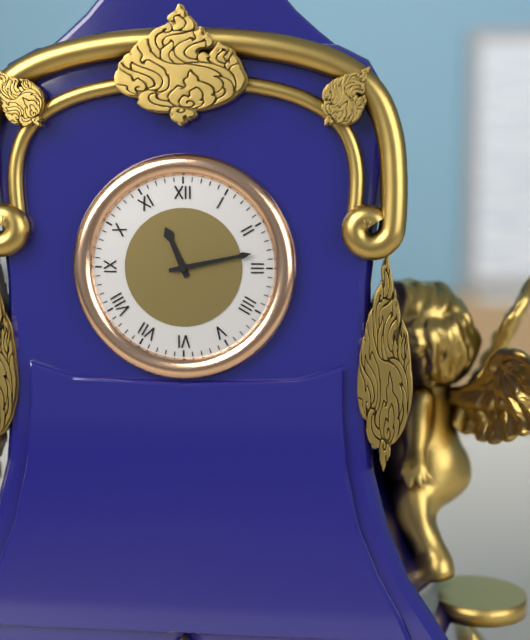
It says 11 h 13 min
